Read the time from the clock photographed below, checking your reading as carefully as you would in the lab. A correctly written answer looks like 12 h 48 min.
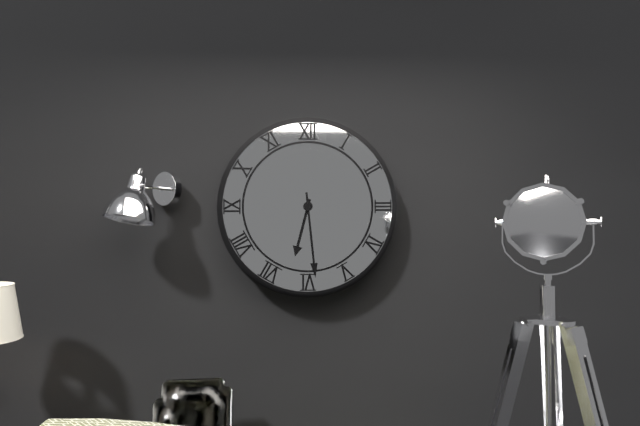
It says 6 h 29 min
